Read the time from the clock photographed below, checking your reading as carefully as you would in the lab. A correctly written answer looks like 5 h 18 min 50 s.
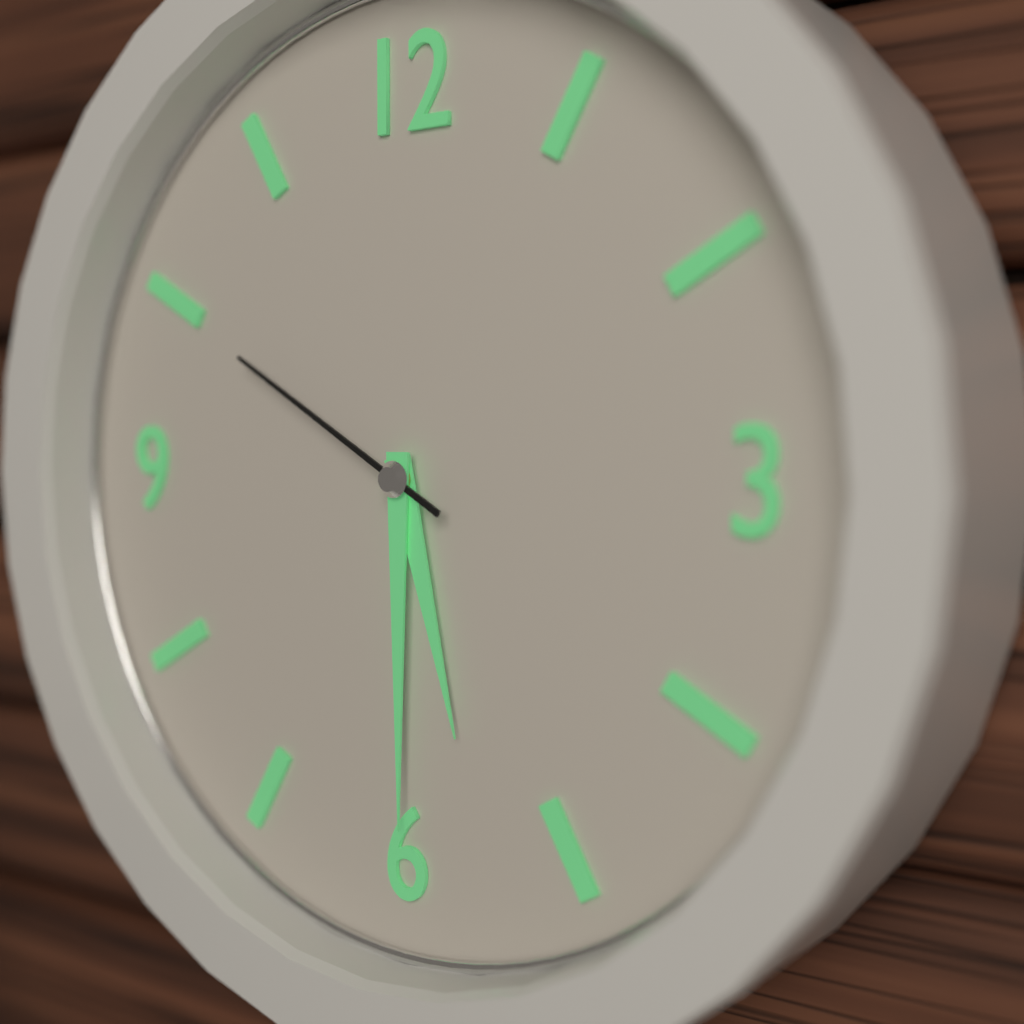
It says 5 h 30 min 50 s
